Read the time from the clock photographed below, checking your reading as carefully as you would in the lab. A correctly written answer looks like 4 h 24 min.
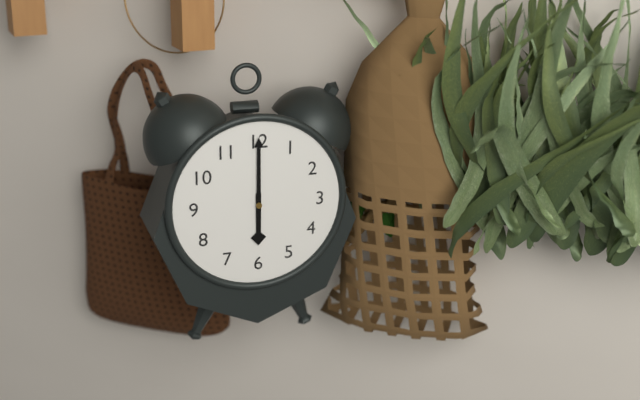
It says 6 h 00 min
